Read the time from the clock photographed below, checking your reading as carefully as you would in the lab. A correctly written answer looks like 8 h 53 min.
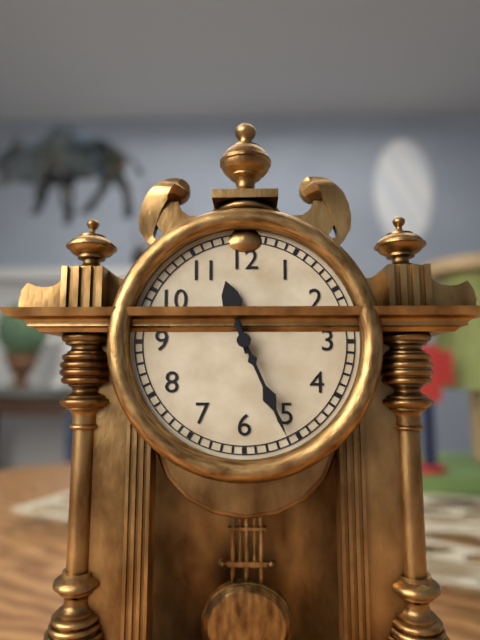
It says 11 h 26 min
